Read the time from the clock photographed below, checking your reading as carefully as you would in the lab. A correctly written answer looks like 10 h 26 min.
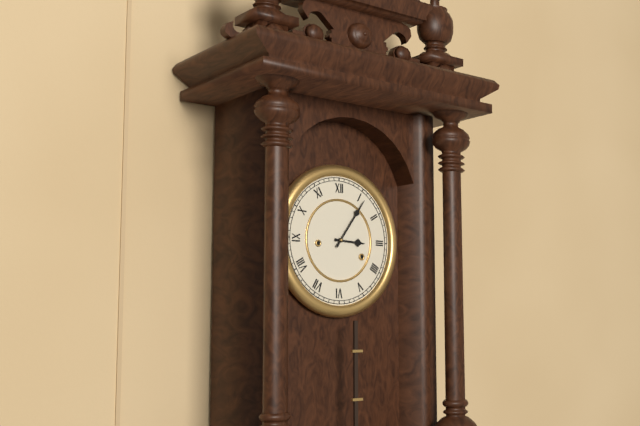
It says 3 h 06 min
